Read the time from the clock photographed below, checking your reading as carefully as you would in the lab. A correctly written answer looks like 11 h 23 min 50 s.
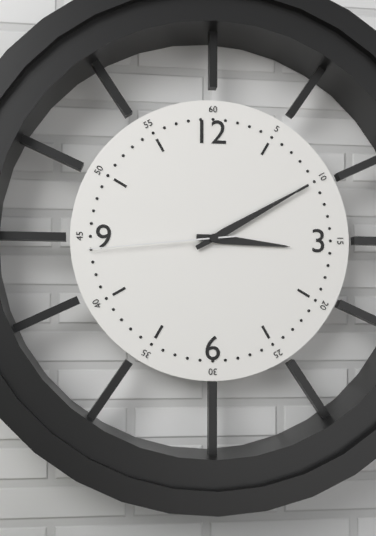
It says 3 h 10 min 44 s
